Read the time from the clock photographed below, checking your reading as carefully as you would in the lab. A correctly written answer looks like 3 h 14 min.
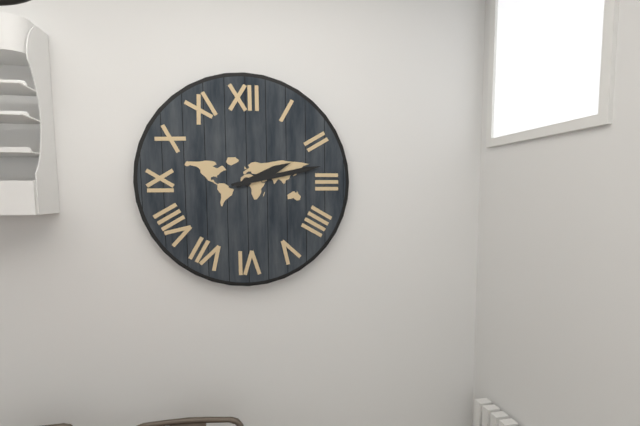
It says 2 h 13 min
